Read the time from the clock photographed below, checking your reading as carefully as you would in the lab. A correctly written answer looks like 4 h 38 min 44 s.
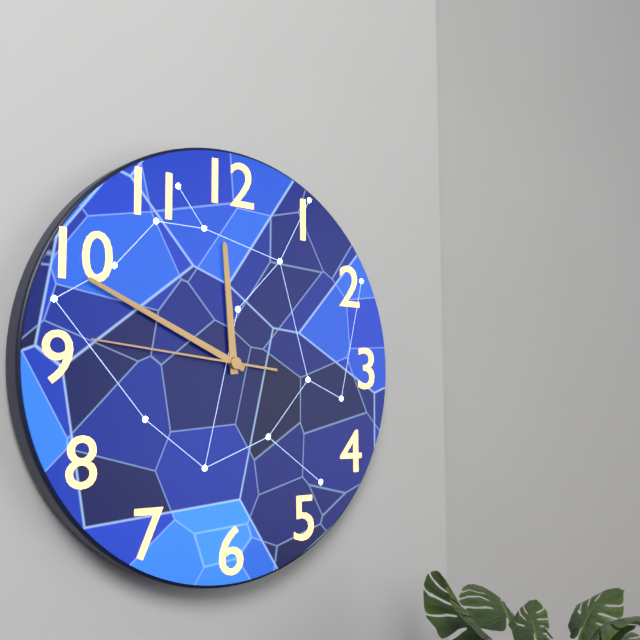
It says 11 h 49 min 46 s
